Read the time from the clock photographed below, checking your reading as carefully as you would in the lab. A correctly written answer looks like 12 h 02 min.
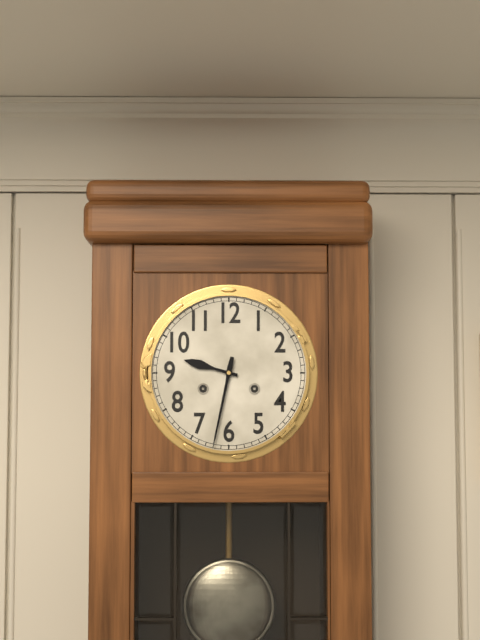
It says 9 h 32 min
